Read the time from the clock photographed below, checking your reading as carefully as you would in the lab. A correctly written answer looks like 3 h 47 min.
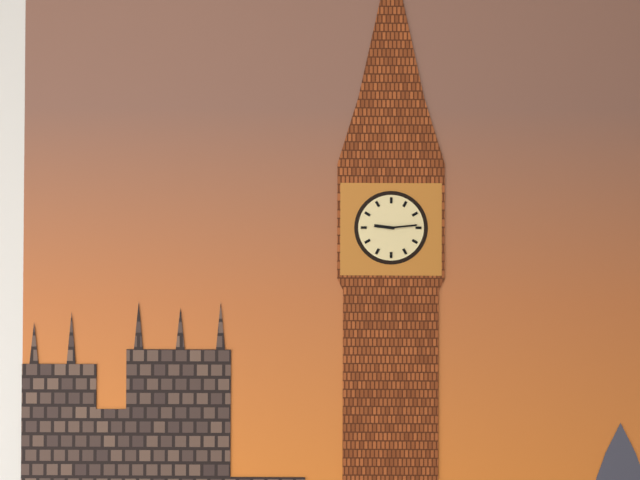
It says 9 h 14 min
